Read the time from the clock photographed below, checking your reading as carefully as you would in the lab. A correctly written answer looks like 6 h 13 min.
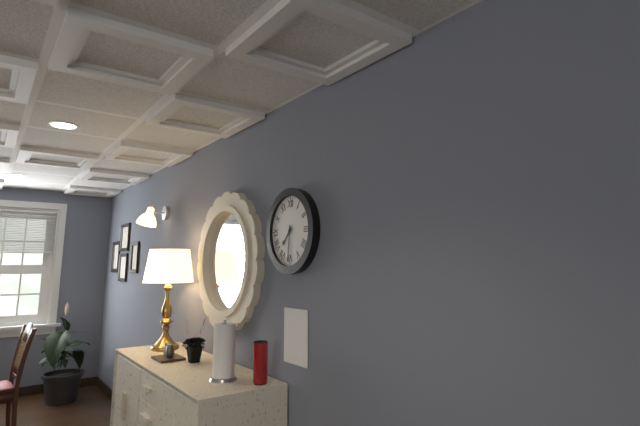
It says 7 h 31 min
